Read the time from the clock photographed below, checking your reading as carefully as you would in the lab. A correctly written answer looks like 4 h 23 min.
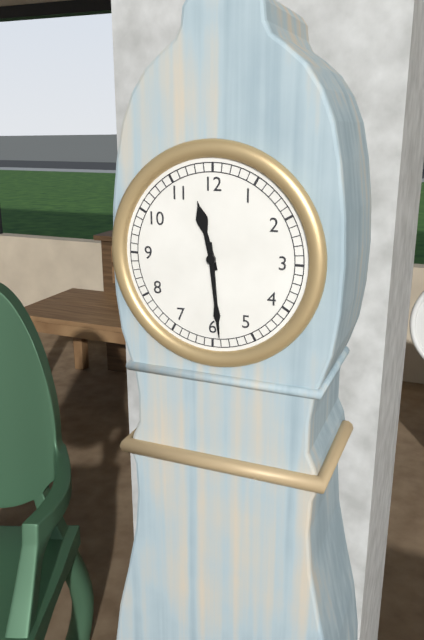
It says 11 h 29 min
